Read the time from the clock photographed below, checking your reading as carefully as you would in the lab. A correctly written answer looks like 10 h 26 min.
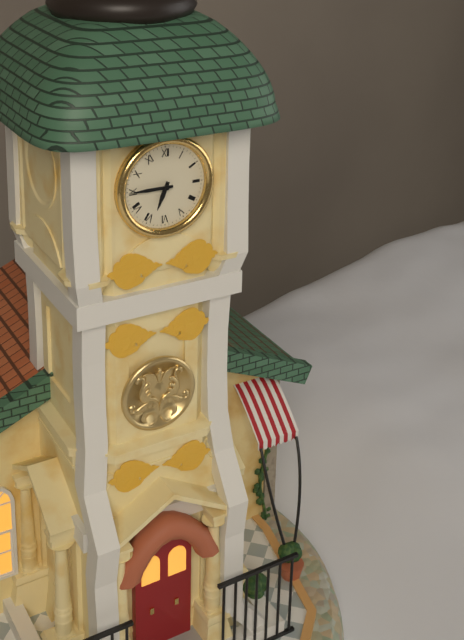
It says 6 h 45 min
